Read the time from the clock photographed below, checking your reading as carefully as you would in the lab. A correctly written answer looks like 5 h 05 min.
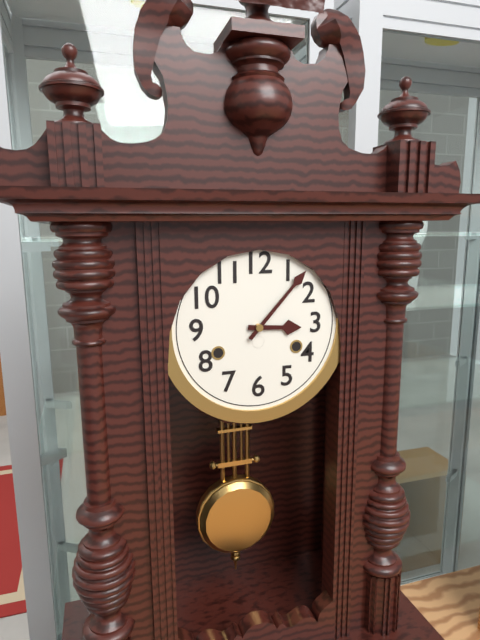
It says 3 h 07 min
